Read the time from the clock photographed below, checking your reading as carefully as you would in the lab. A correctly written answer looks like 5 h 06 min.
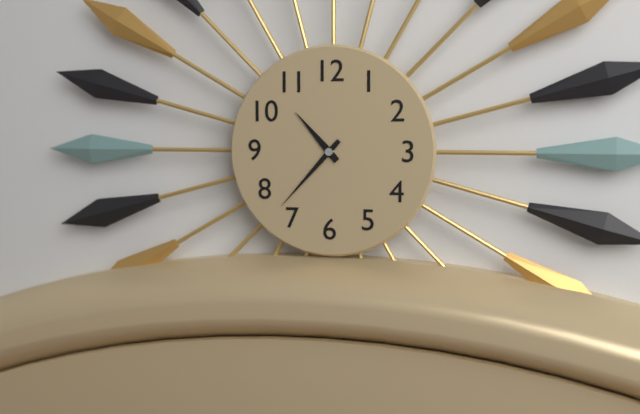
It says 10 h 37 min
